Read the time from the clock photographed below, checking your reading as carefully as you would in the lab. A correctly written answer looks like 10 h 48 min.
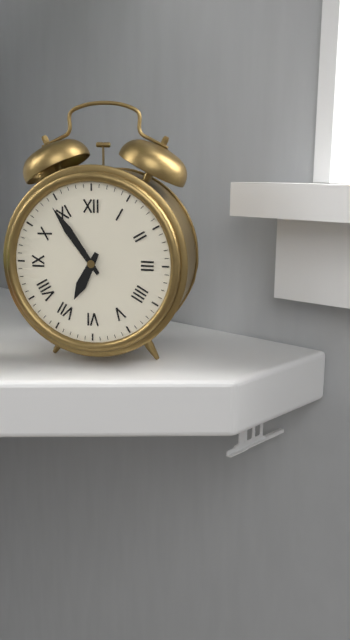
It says 6 h 54 min
